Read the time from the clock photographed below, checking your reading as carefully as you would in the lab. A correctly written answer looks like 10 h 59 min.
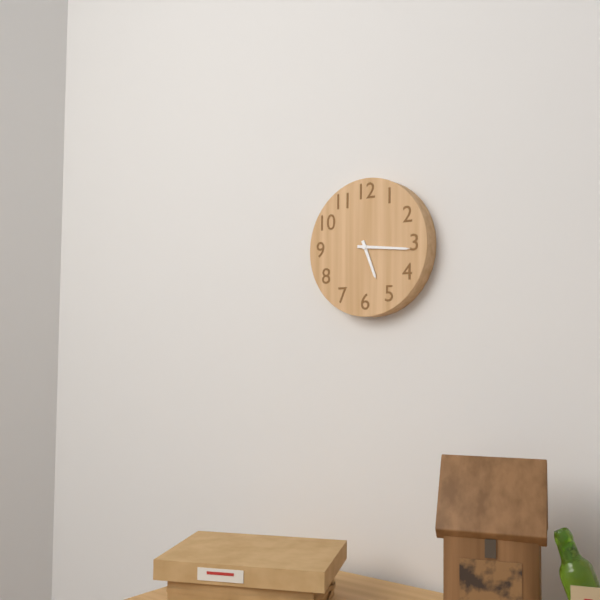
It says 5 h 16 min
